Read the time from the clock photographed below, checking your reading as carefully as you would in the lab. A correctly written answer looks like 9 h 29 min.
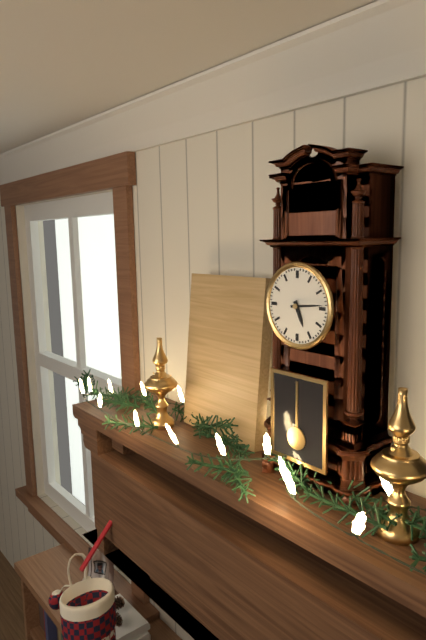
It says 5 h 14 min
